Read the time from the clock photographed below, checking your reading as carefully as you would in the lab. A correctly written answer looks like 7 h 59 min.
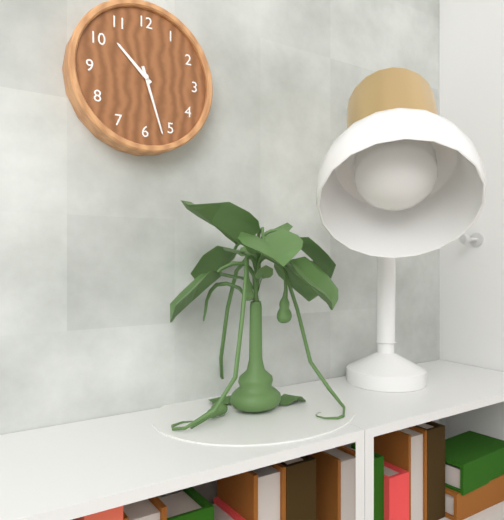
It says 10 h 27 min
